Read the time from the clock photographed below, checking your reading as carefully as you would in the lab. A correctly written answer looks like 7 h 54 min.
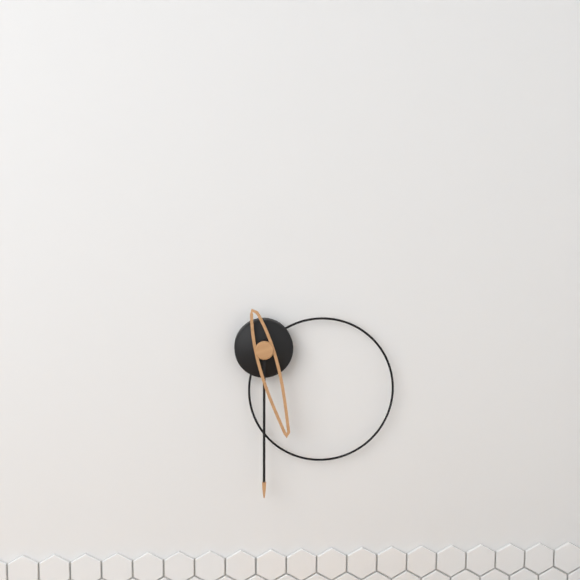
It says 5 h 30 min
